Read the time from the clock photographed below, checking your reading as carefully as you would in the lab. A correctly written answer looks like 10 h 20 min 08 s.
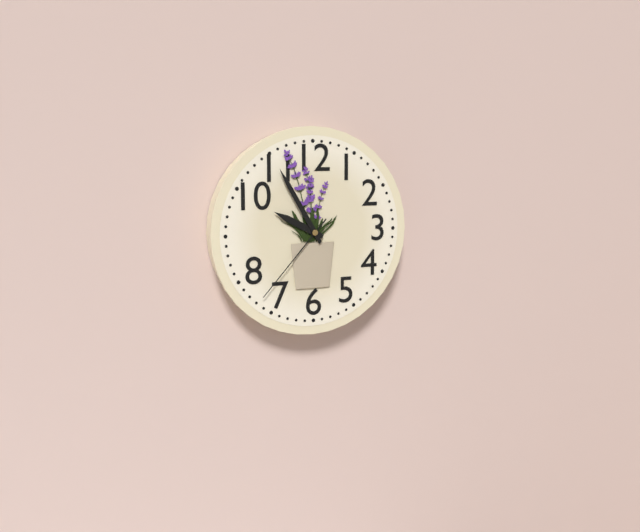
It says 9 h 55 min 37 s
